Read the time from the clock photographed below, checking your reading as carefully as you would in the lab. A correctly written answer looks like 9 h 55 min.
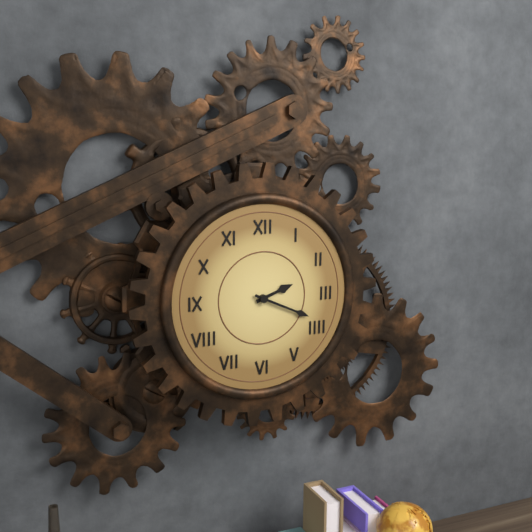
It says 2 h 19 min
